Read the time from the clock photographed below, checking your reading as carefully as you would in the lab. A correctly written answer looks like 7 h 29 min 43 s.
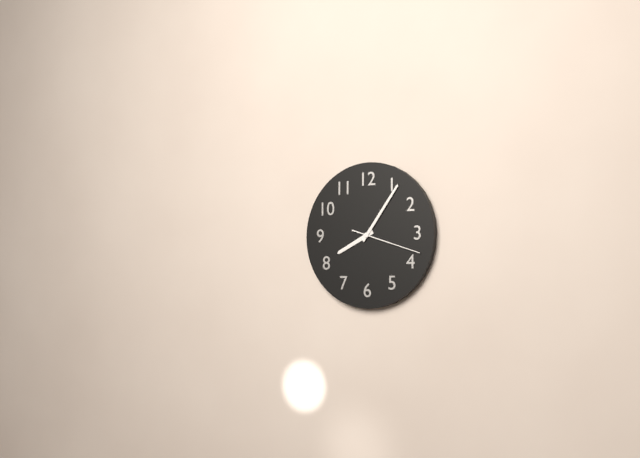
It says 8 h 06 min 18 s
